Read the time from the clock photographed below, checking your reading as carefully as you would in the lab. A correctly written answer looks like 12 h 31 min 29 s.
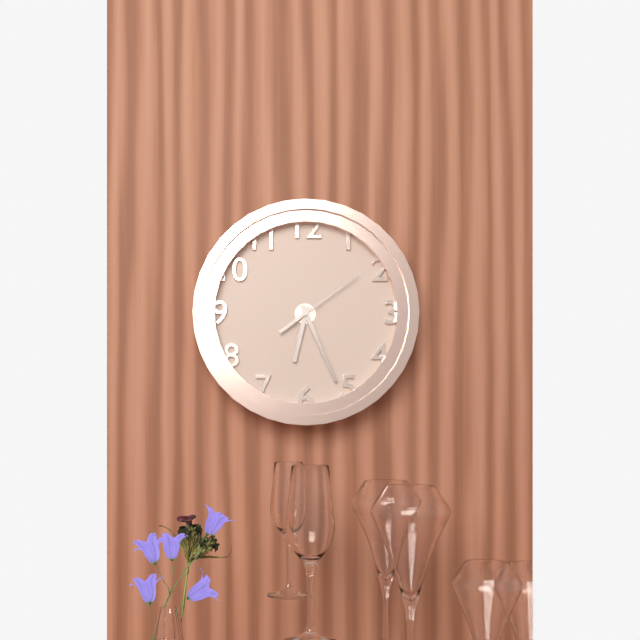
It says 6 h 26 min 09 s
